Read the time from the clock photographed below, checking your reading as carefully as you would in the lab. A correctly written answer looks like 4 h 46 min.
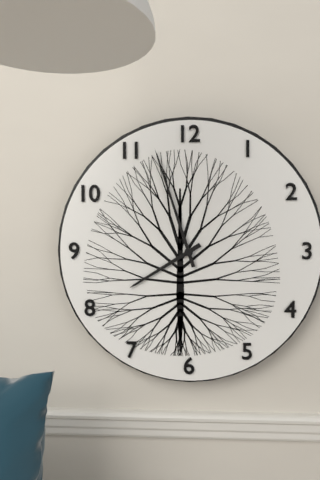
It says 7 h 57 min
